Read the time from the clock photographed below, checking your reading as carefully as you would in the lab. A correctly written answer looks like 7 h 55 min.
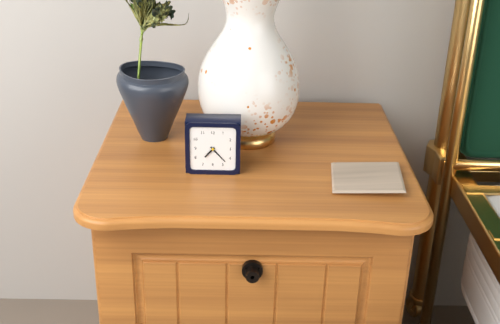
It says 7 h 23 min
